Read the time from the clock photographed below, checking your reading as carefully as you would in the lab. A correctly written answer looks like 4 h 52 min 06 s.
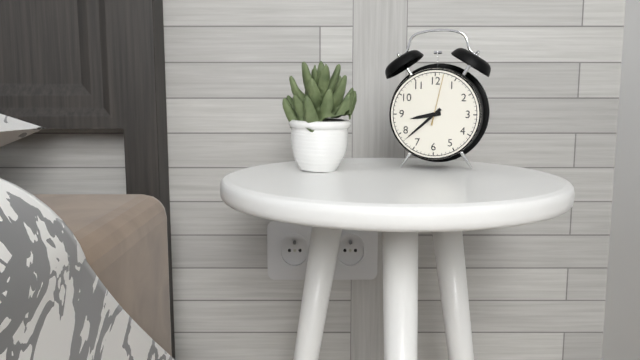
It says 8 h 38 min 02 s
